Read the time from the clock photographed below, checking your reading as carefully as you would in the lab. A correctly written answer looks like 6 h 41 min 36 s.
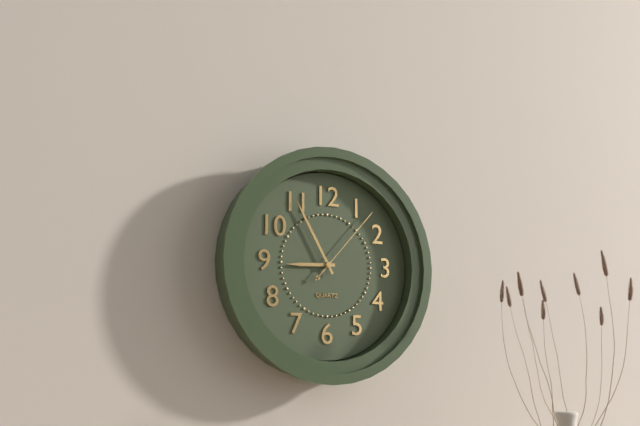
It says 8 h 55 min 07 s
